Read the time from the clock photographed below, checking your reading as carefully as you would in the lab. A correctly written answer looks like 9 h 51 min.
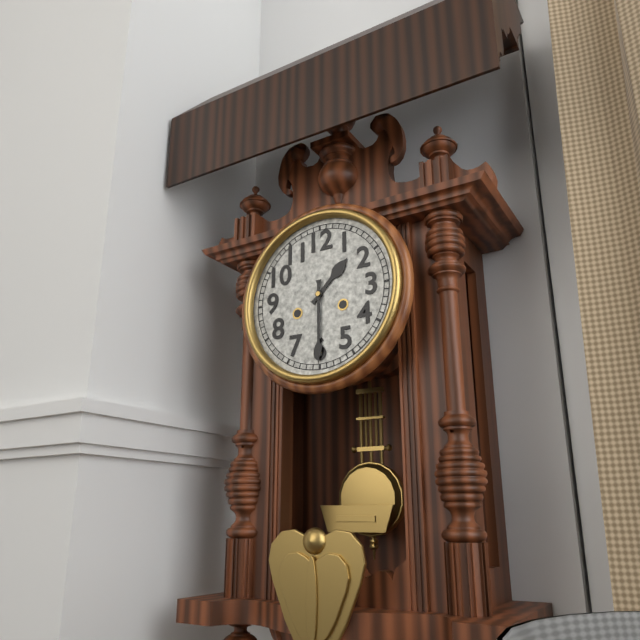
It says 1 h 30 min
